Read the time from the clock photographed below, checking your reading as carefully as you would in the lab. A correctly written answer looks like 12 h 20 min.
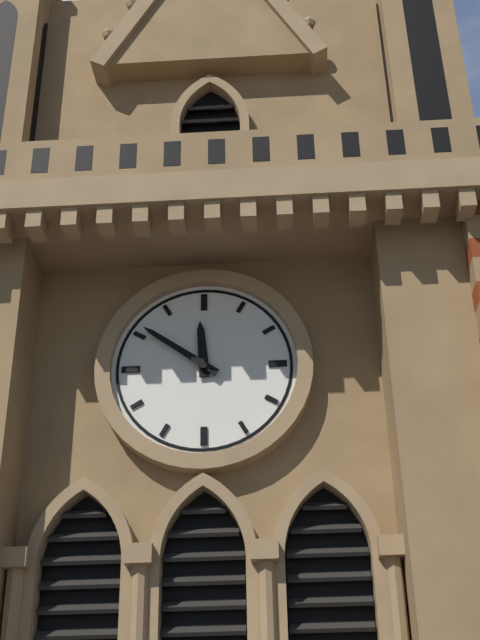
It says 11 h 51 min
